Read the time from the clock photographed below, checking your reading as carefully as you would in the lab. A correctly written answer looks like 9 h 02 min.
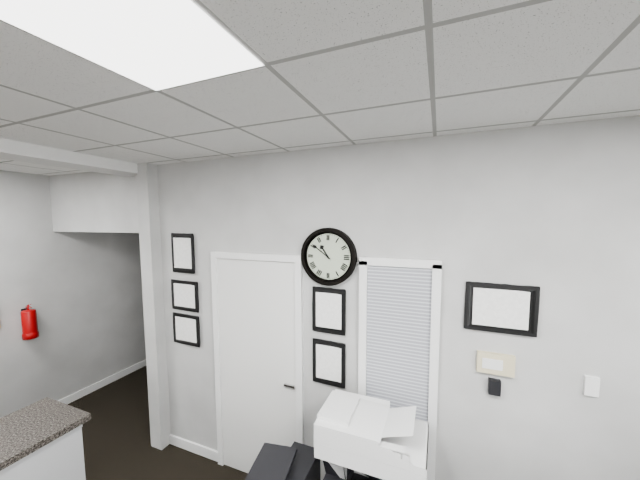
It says 10 h 51 min
